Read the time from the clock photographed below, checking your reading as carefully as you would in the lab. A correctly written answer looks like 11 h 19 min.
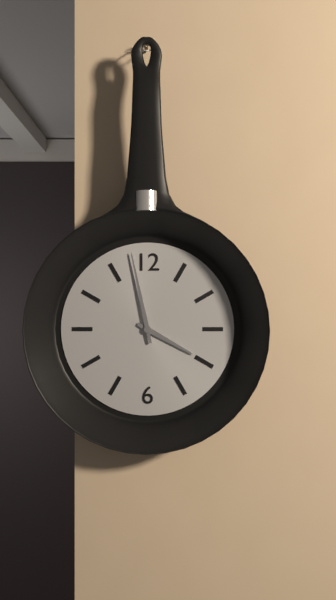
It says 3 h 58 min
